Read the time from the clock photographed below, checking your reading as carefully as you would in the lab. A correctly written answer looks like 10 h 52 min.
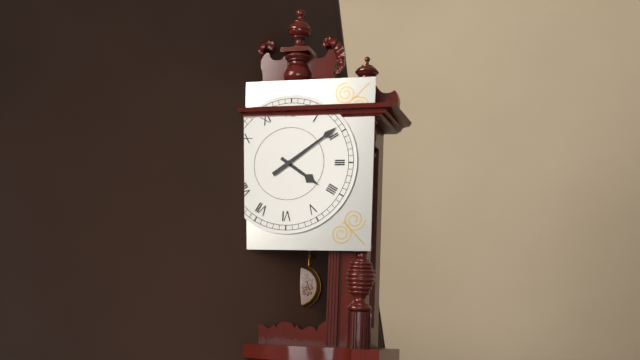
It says 4 h 09 min
